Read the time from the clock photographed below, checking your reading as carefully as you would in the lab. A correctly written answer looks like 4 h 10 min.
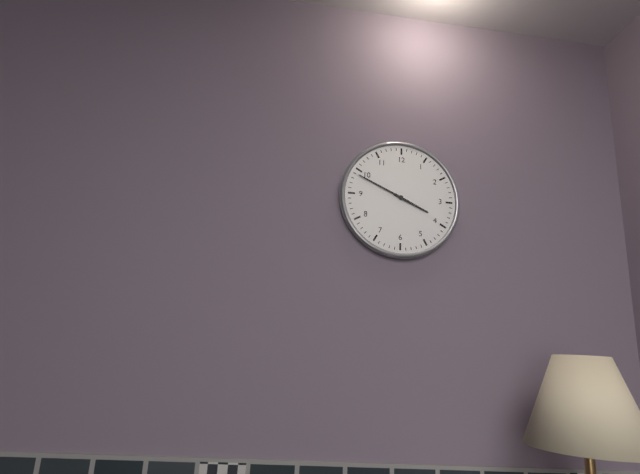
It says 3 h 49 min
